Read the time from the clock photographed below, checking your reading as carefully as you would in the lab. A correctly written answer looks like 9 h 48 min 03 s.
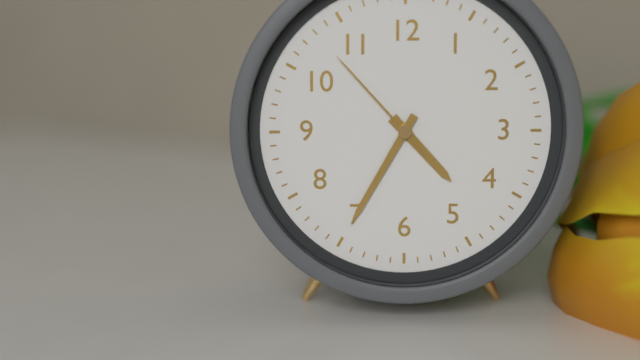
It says 4 h 35 min 53 s
